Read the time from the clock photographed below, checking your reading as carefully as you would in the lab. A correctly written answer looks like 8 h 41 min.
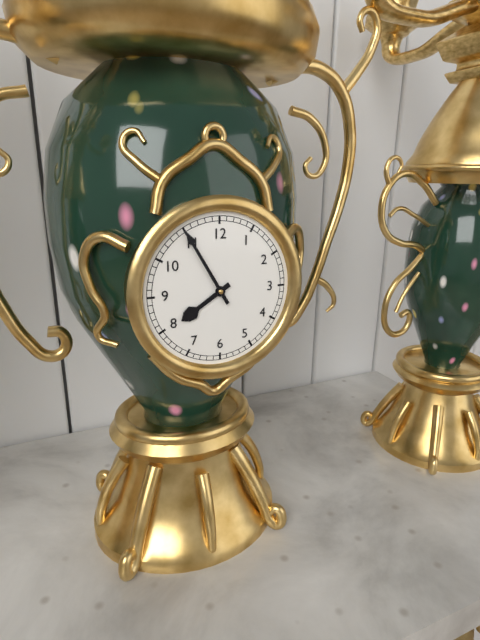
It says 7 h 55 min
